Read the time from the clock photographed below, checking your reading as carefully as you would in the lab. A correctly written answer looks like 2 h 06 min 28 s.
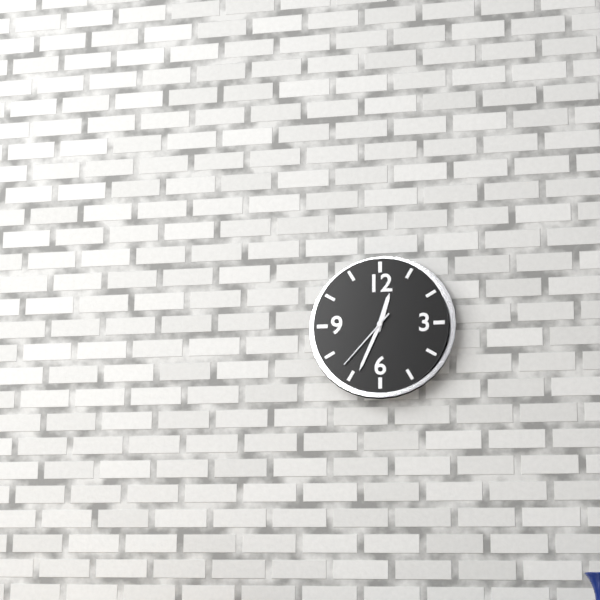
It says 12 h 34 min 37 s
